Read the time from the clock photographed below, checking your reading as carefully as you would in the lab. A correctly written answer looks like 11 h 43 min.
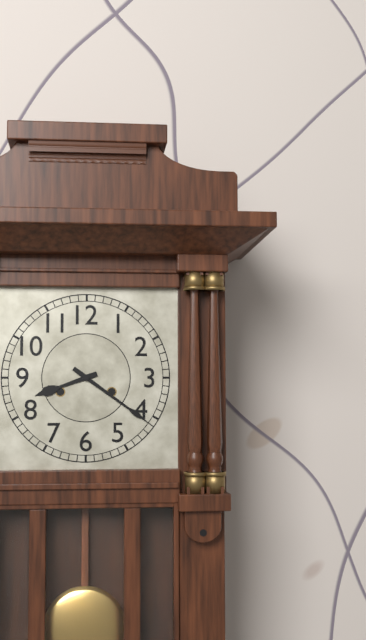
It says 8 h 21 min
